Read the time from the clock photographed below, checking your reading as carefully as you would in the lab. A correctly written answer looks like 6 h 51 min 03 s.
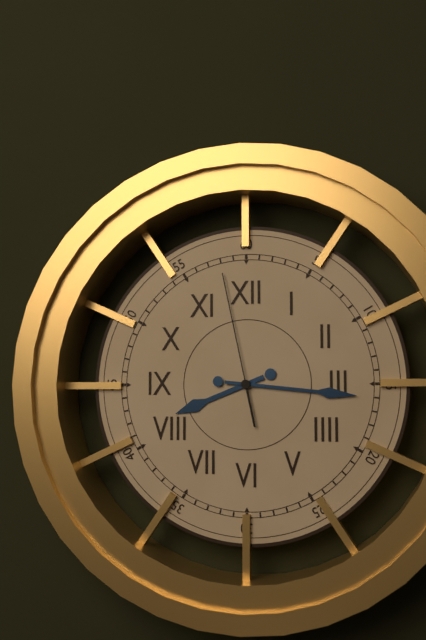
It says 8 h 16 min 58 s
